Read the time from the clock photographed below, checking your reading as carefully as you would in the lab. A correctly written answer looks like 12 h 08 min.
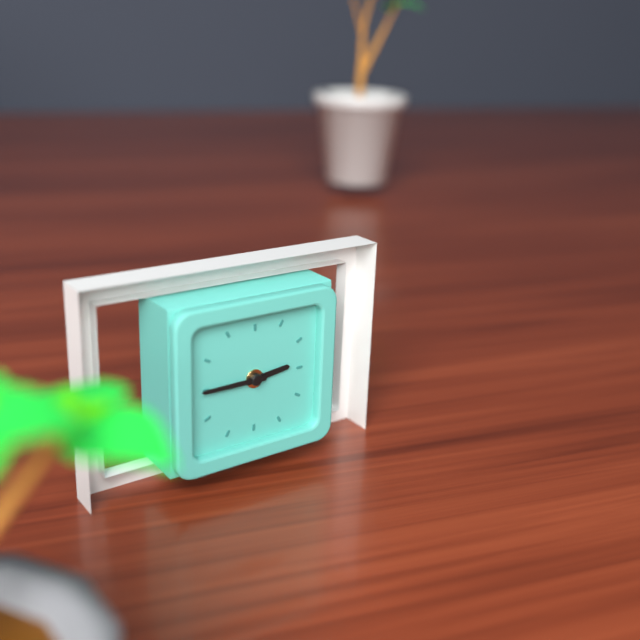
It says 2 h 45 min
